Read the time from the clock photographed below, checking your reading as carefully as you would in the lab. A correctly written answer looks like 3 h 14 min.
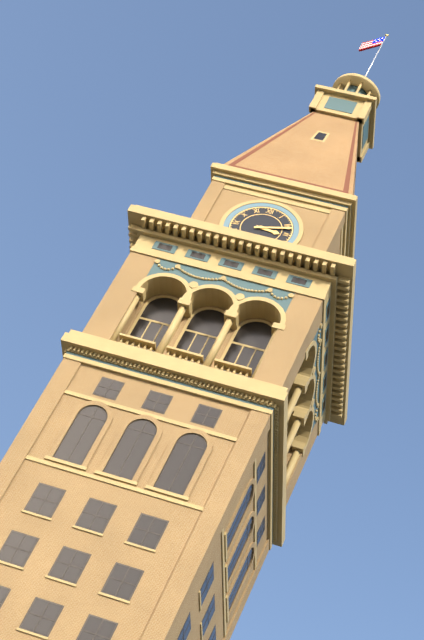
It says 3 h 12 min
